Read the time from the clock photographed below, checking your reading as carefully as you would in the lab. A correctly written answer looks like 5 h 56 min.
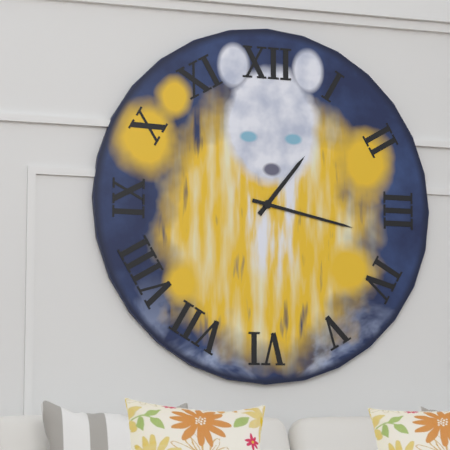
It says 1 h 17 min
